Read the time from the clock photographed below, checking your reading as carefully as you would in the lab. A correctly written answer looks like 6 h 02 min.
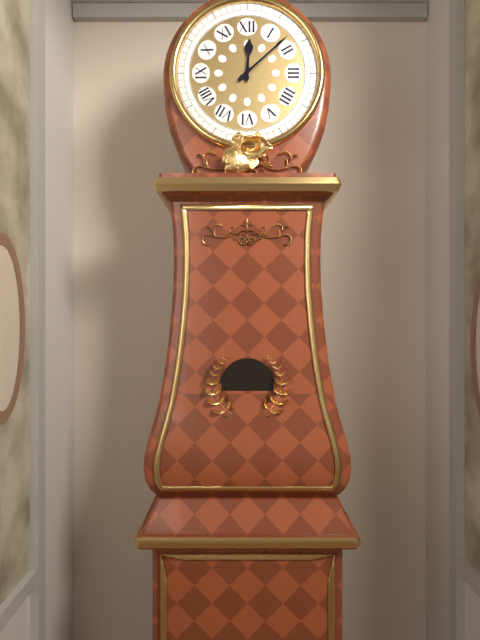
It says 12 h 08 min
